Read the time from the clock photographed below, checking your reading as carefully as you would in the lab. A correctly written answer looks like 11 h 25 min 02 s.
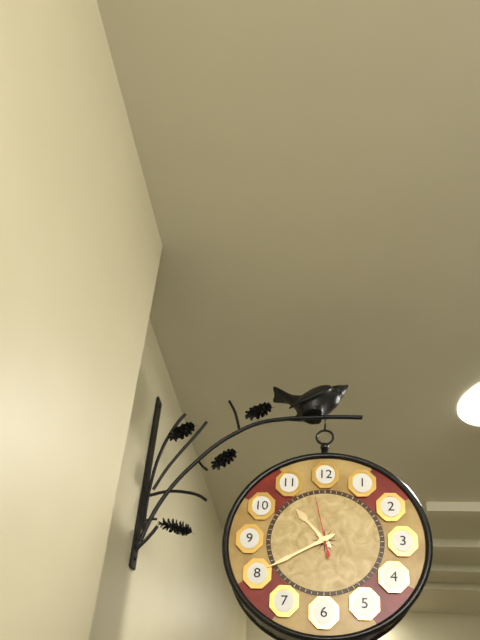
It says 10 h 40 min 58 s
